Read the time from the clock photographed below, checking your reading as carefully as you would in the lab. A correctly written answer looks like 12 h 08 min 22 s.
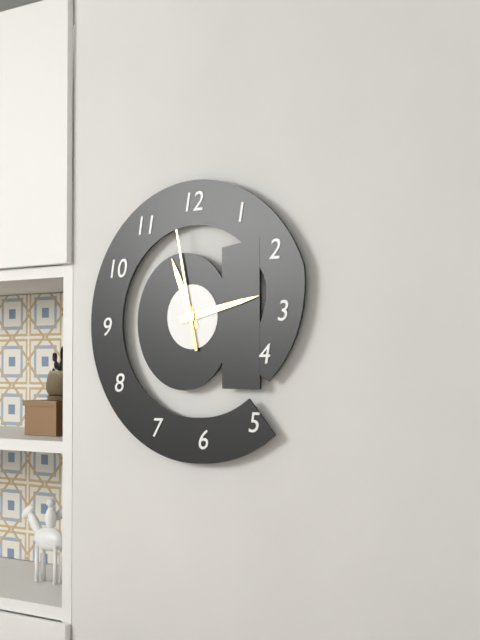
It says 11 h 13 min 58 s
